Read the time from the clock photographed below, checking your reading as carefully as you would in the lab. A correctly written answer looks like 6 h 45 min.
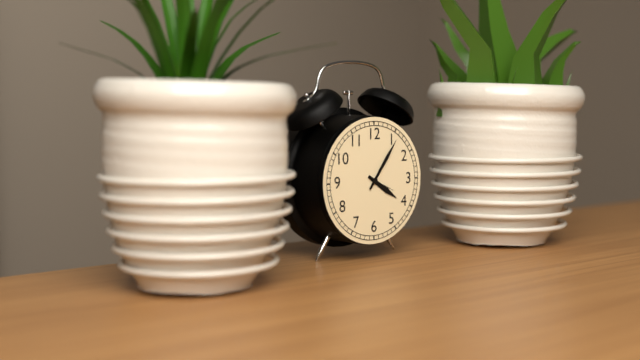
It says 4 h 06 min
